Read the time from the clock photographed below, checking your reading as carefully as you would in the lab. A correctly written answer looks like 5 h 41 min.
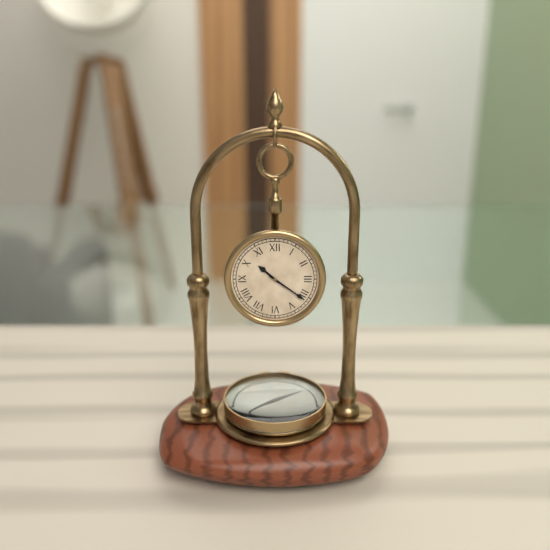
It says 10 h 21 min
